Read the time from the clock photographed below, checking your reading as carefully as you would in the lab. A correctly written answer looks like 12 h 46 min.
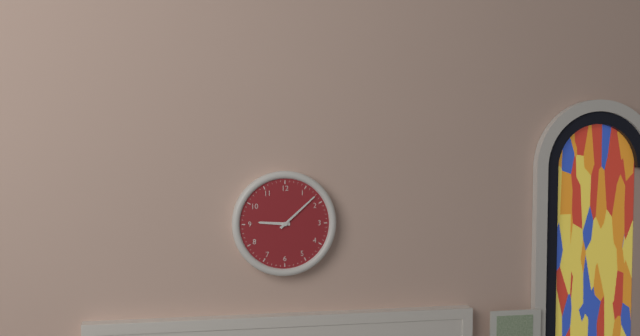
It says 9 h 08 min
